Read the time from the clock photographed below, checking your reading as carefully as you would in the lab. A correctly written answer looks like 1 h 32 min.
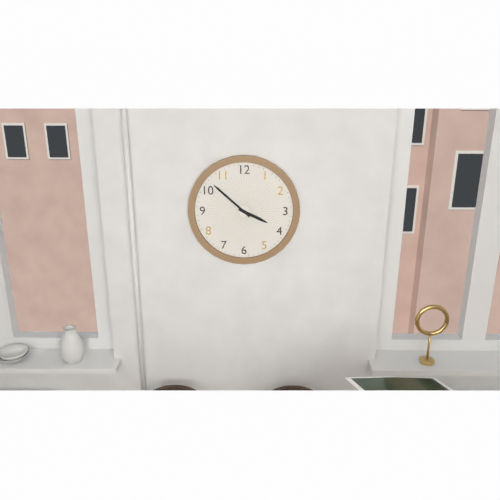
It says 3 h 52 min
